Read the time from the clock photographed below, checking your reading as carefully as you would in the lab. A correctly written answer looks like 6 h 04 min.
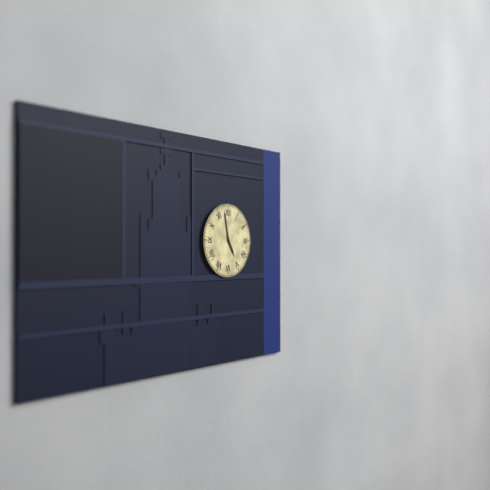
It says 4 h 58 min
